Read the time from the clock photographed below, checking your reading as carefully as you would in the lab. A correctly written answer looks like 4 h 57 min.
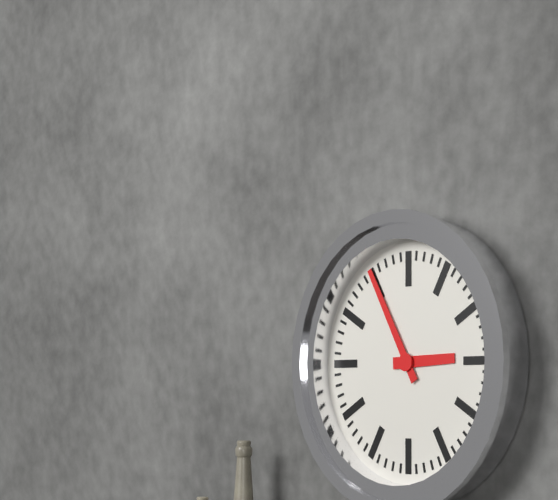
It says 2 h 55 min
